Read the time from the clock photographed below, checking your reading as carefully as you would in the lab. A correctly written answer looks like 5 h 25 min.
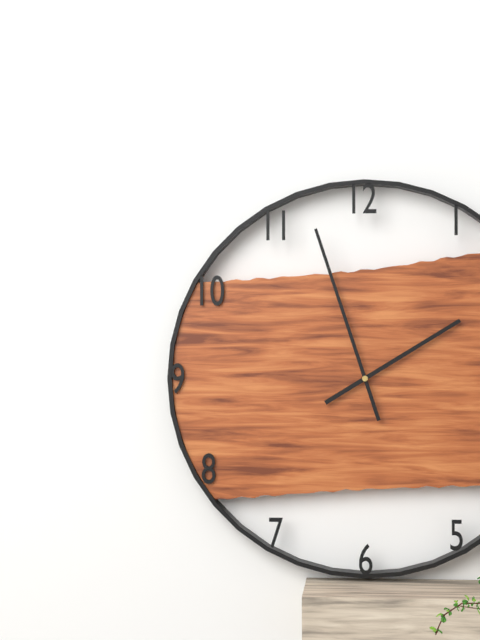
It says 1 h 57 min
